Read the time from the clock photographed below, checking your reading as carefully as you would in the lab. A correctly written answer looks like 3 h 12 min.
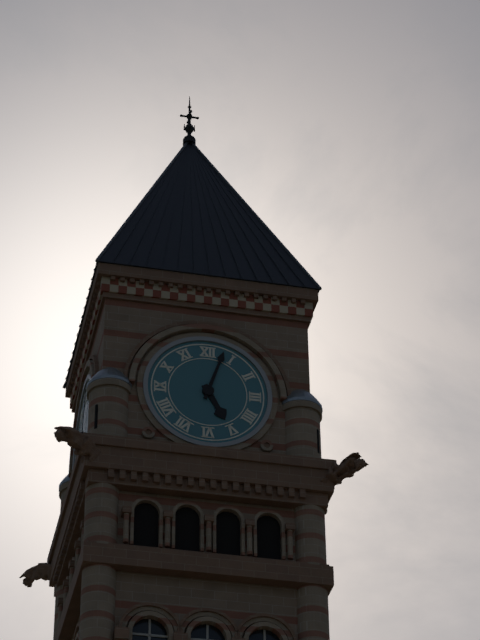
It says 5 h 03 min
